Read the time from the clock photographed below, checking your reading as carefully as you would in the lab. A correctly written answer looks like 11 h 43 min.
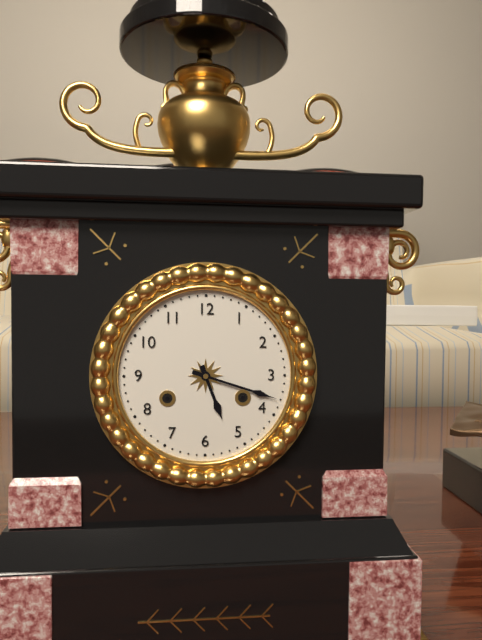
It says 5 h 18 min
